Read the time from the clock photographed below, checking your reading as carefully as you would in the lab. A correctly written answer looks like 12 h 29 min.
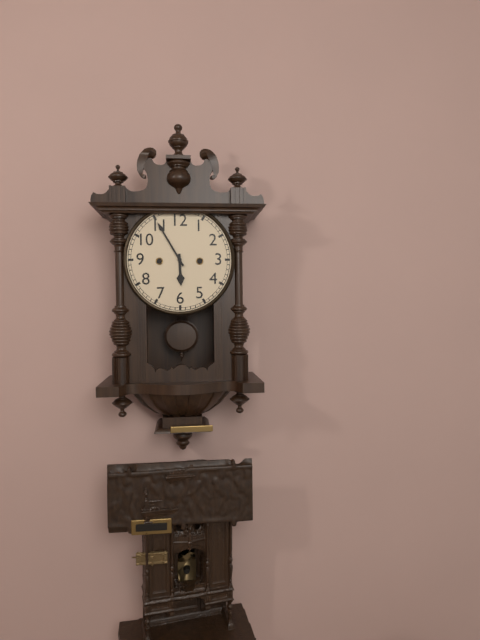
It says 5 h 55 min
